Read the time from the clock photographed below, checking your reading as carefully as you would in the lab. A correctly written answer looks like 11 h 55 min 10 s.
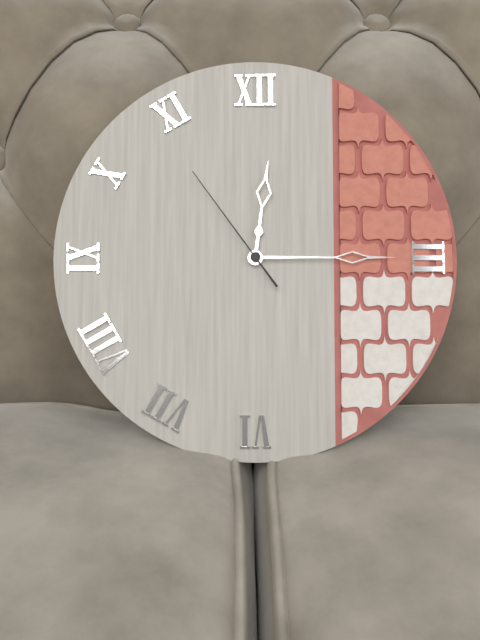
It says 12 h 15 min 54 s
